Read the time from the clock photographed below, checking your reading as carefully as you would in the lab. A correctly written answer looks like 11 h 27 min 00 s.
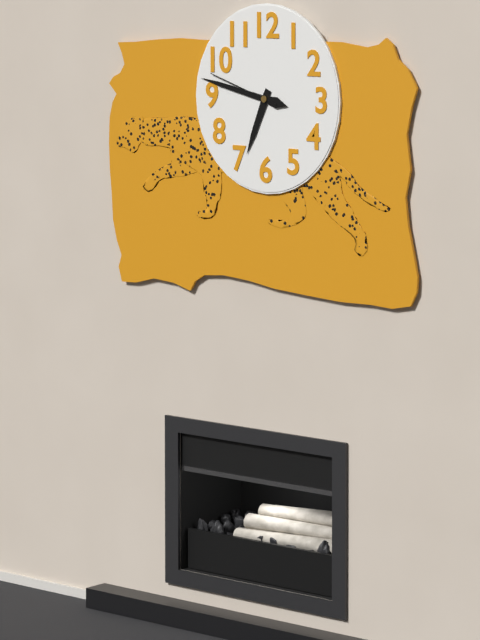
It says 6 h 47 min 48 s
